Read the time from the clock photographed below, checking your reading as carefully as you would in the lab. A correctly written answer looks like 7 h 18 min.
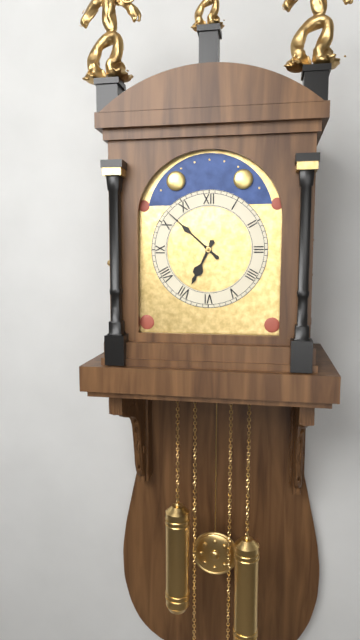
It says 6 h 52 min
